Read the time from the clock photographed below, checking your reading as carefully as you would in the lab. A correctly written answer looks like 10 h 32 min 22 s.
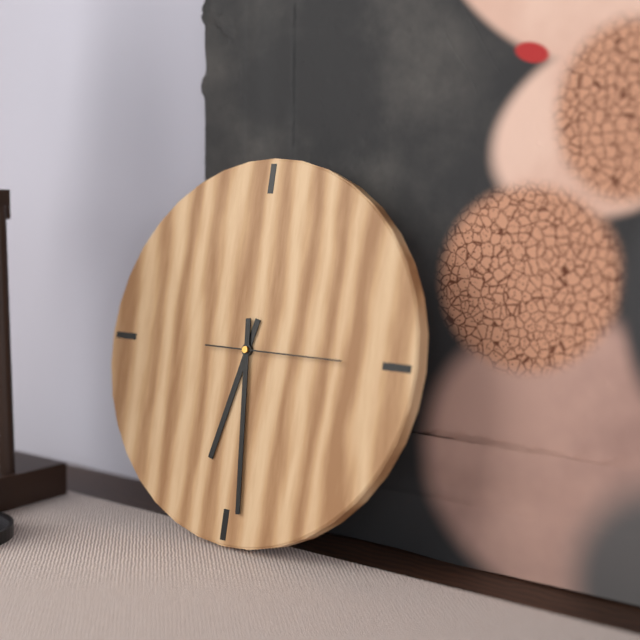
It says 6 h 29 min 15 s
